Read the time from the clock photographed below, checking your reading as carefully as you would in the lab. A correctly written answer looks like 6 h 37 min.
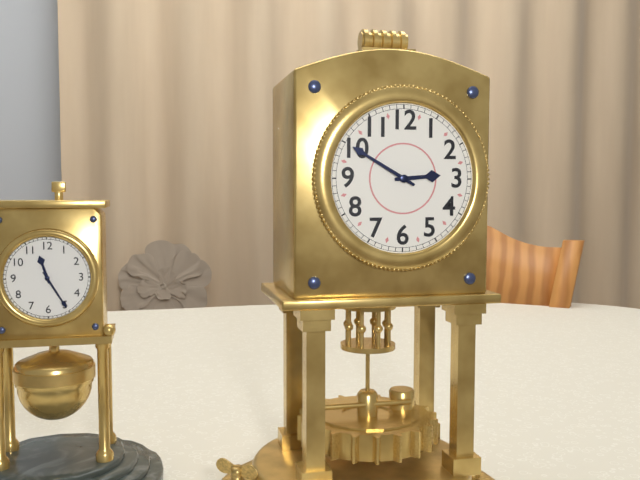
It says 2 h 50 min
